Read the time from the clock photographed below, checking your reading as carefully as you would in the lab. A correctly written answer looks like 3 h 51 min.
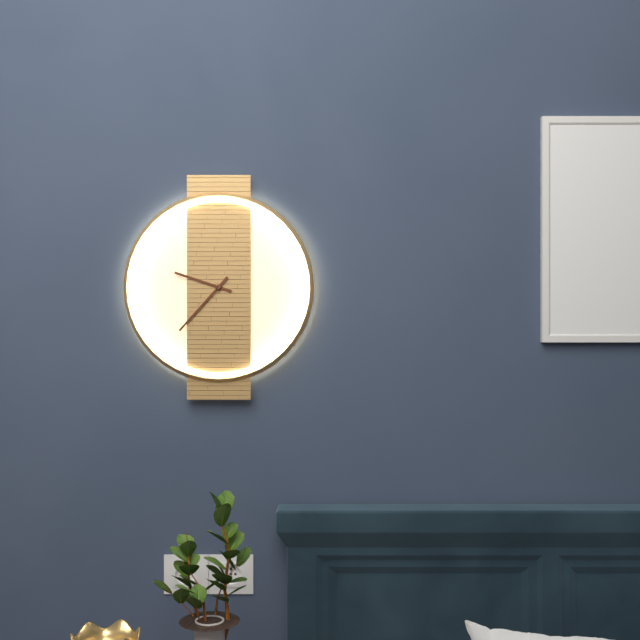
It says 9 h 37 min
